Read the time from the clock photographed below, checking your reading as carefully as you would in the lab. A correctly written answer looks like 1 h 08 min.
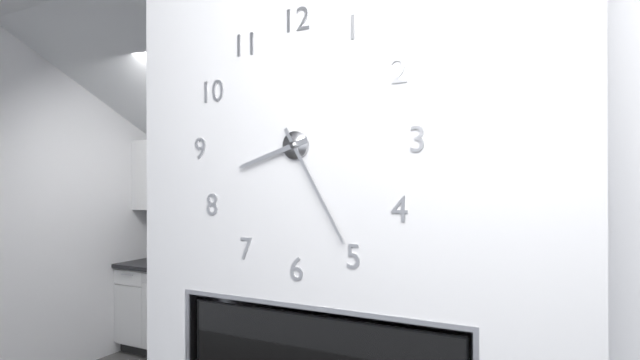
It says 8 h 25 min
